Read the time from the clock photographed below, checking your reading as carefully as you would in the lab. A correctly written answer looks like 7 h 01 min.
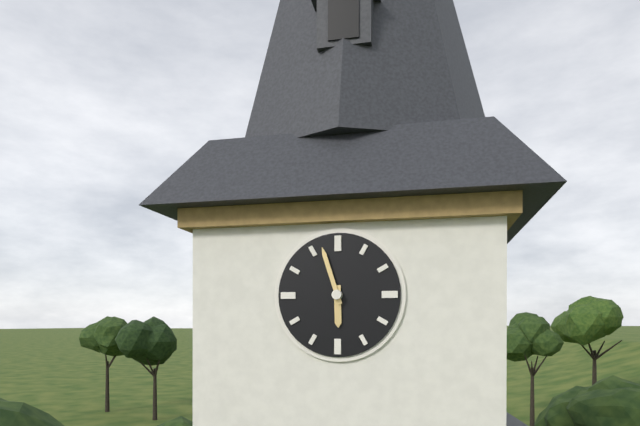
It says 5 h 57 min
